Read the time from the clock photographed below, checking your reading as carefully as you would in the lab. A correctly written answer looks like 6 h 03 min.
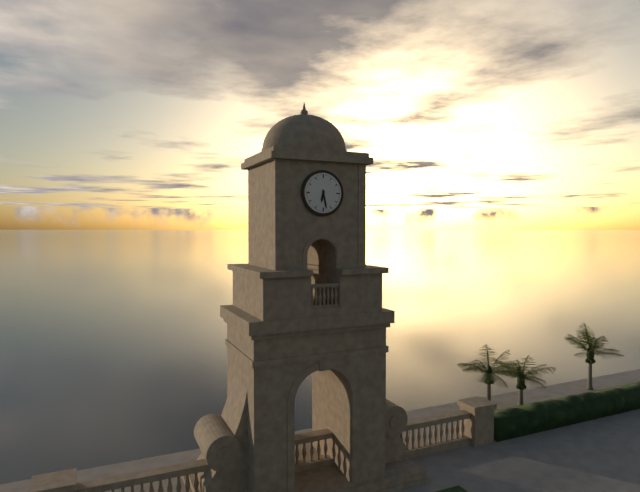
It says 6 h 28 min
